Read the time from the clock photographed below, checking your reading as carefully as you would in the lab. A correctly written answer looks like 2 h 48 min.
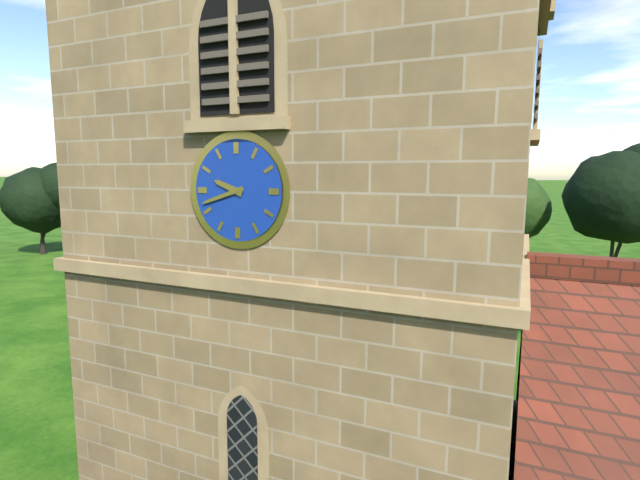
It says 9 h 42 min
